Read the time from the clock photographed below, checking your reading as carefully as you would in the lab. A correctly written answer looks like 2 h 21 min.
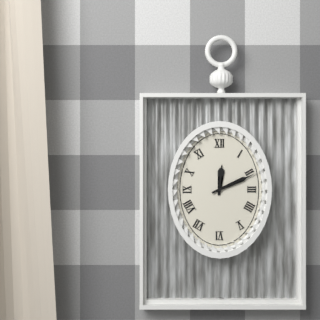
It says 12 h 11 min
